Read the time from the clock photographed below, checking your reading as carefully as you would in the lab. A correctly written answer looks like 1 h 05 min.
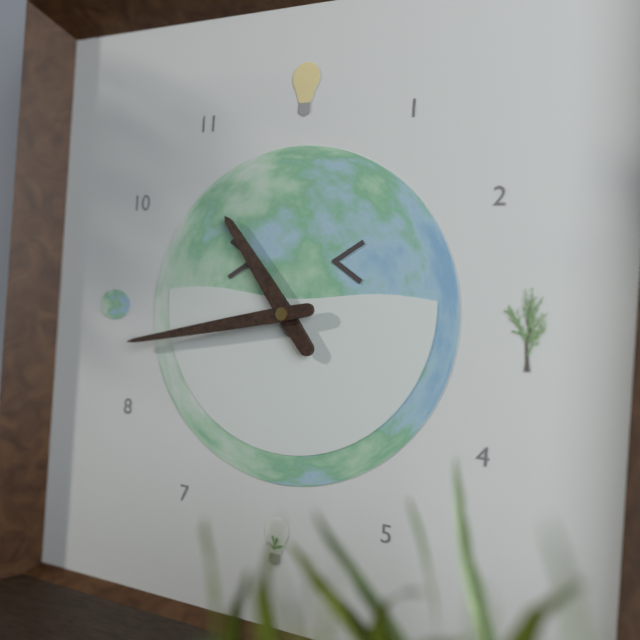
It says 10 h 43 min
